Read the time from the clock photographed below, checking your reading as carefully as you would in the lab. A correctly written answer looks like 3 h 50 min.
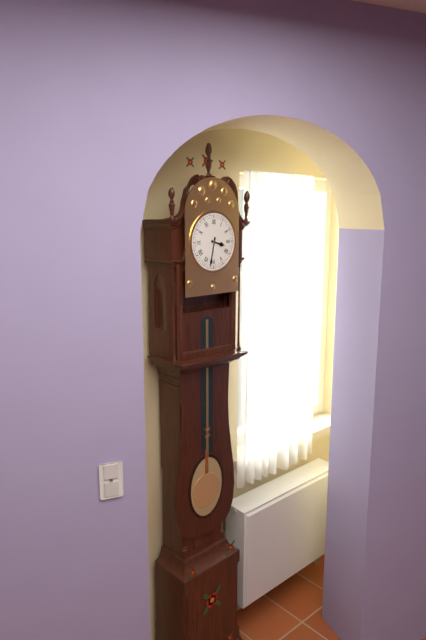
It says 3 h 32 min
